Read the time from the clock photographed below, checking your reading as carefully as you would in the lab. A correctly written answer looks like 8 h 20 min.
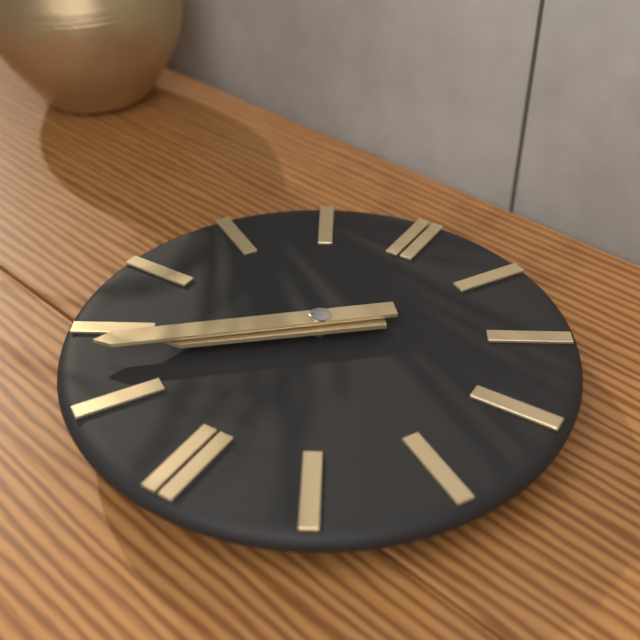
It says 7 h 38 min
